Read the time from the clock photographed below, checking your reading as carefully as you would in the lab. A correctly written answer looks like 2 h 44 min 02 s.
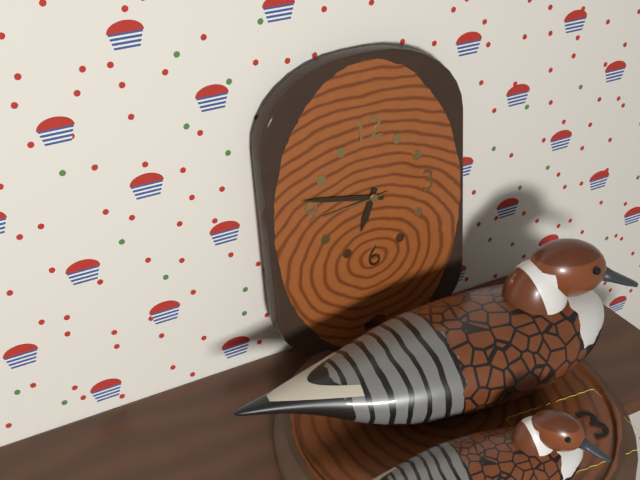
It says 6 h 47 min 44 s
